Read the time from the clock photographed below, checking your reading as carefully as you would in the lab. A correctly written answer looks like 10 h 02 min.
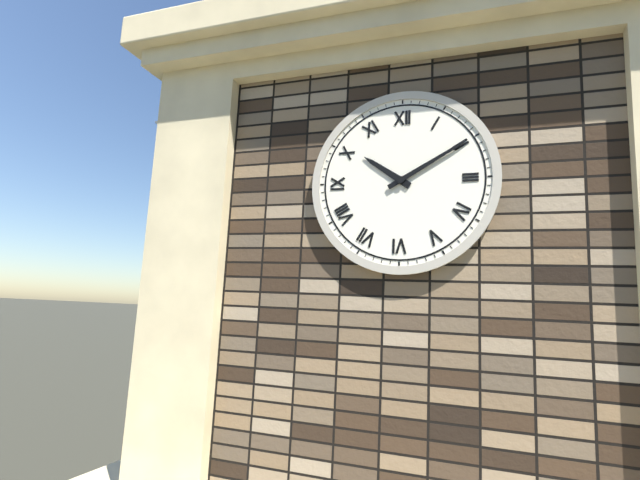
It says 10 h 10 min
